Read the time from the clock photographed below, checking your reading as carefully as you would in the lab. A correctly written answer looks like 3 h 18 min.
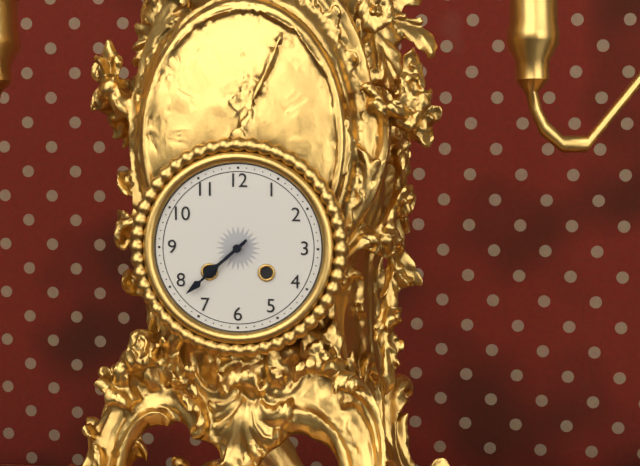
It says 7 h 38 min
